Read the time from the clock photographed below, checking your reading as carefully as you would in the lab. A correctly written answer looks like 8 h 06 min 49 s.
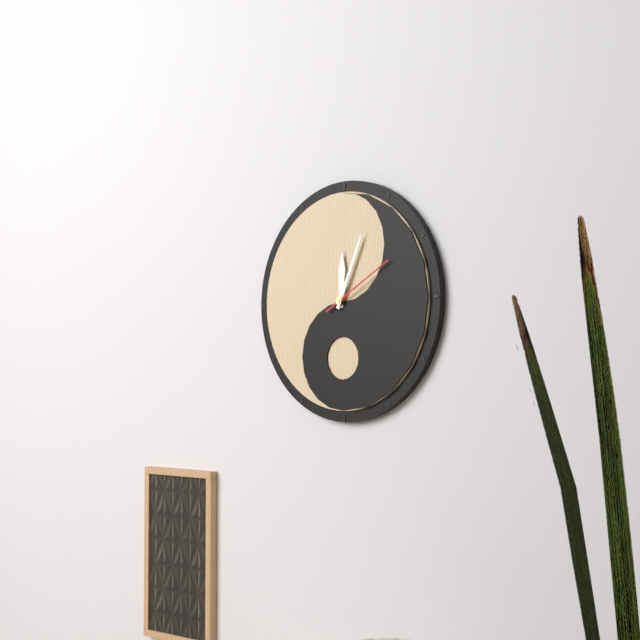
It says 12 h 04 min 10 s
